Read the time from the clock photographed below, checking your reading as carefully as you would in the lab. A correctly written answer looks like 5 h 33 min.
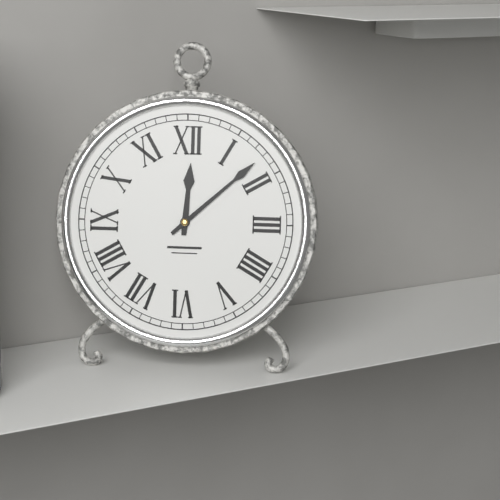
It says 12 h 08 min
